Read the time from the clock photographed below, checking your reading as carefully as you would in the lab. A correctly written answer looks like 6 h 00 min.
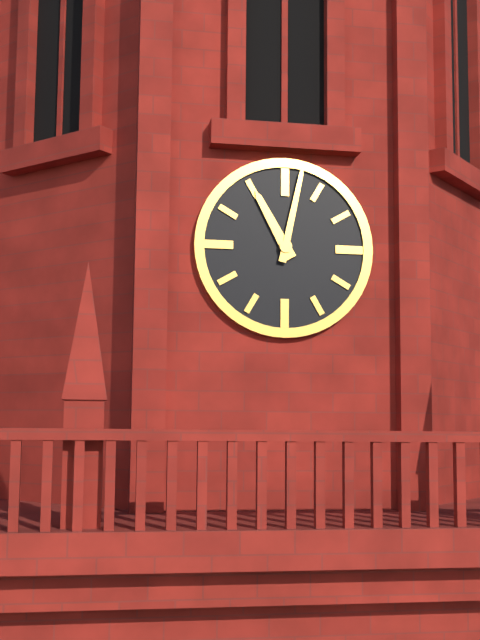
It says 11 h 02 min
